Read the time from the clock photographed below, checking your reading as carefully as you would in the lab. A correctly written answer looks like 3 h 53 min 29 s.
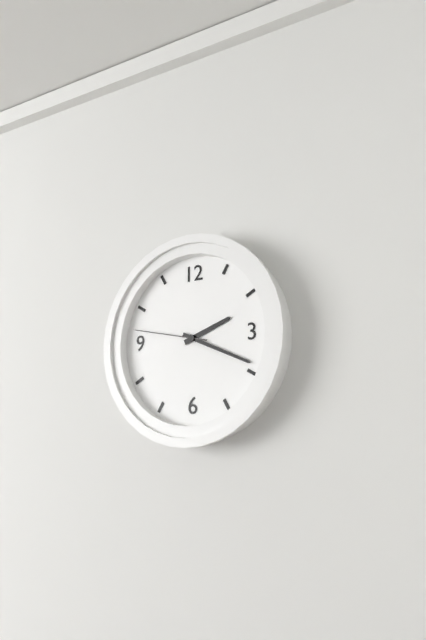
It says 2 h 19 min 47 s
